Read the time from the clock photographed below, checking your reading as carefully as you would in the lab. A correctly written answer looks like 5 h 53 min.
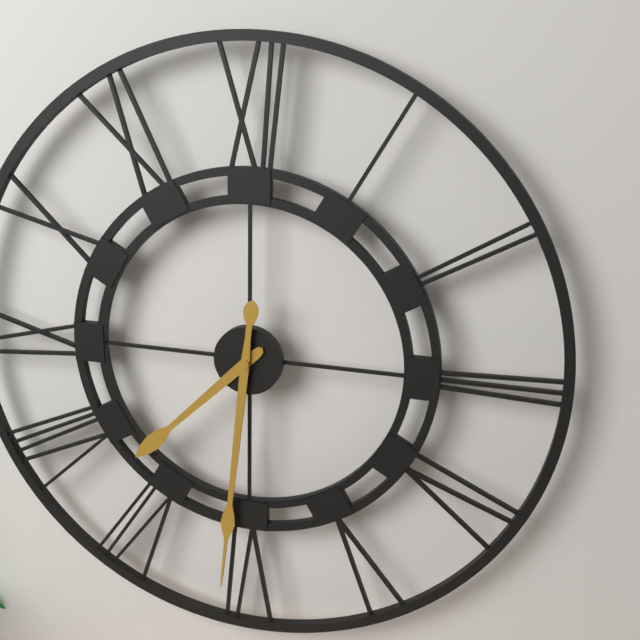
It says 7 h 31 min
